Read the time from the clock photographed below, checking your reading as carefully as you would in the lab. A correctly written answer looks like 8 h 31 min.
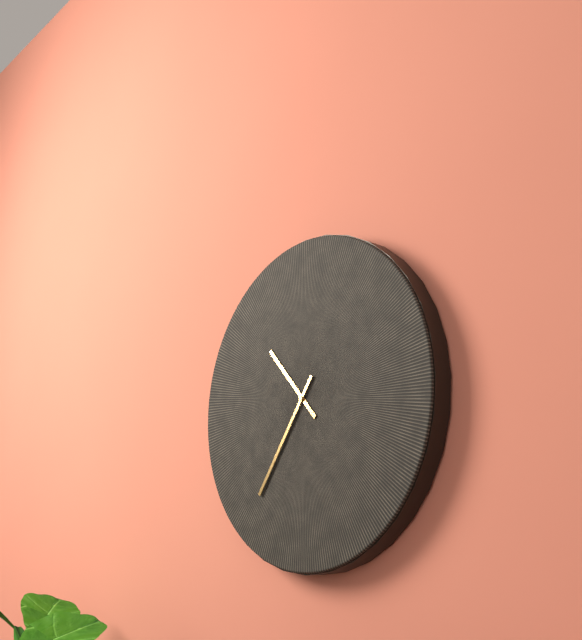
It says 10 h 36 min
